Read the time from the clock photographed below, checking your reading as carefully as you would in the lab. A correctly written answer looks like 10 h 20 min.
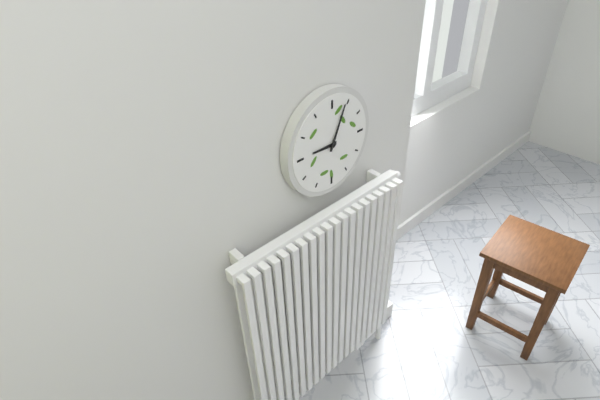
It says 9 h 04 min
